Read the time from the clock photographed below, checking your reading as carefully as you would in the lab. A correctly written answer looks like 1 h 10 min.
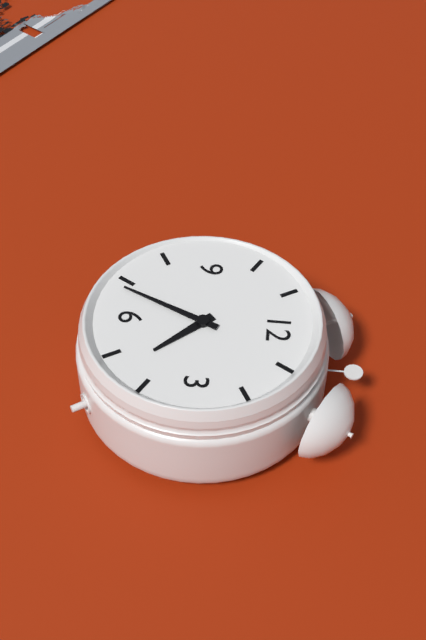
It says 4 h 34 min
